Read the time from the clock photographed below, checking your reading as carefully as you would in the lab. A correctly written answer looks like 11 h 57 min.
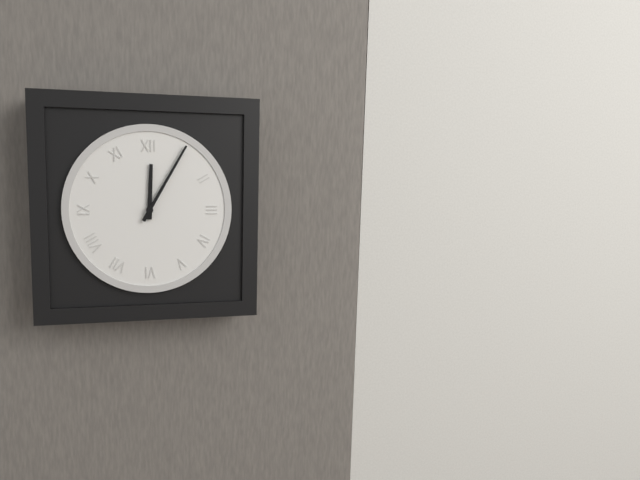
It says 12 h 05 min
